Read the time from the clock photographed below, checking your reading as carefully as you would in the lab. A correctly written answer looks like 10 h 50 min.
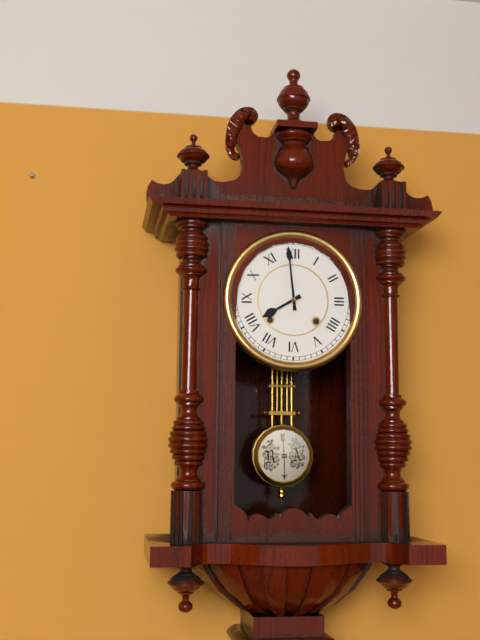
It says 7 h 59 min
